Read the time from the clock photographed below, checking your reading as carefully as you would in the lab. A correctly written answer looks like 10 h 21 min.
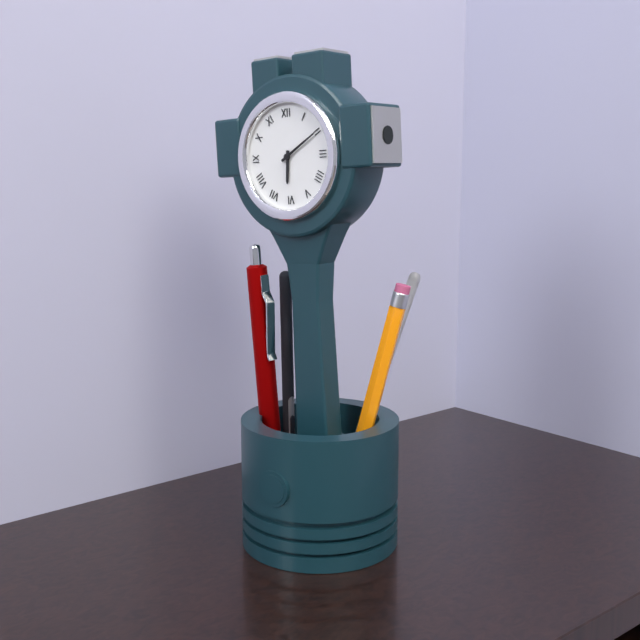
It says 6 h 10 min
